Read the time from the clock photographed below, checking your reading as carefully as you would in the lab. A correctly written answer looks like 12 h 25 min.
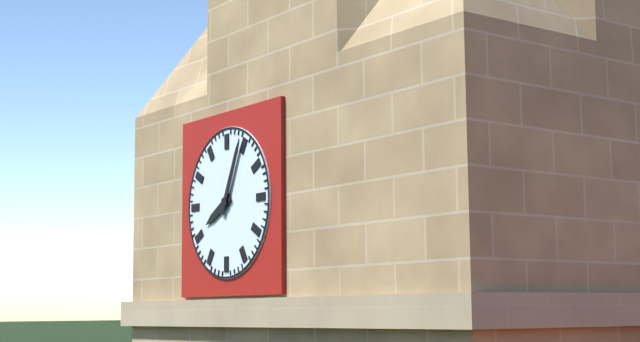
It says 8 h 04 min
